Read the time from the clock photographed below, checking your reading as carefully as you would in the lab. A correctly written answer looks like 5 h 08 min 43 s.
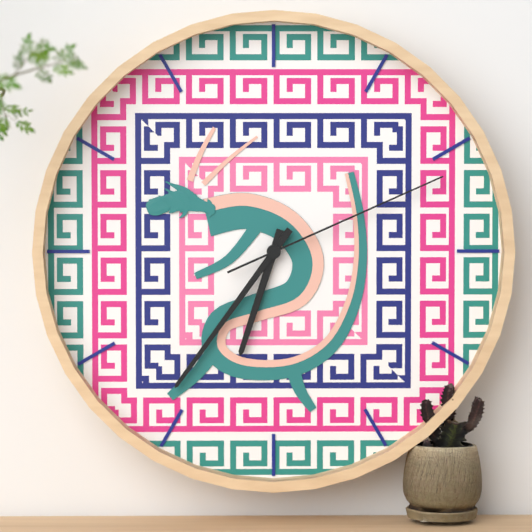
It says 6 h 36 min 11 s
